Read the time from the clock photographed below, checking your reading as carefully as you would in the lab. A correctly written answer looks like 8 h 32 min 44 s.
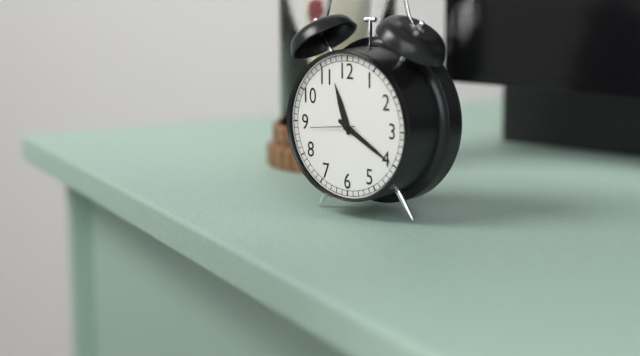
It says 11 h 20 min 44 s
